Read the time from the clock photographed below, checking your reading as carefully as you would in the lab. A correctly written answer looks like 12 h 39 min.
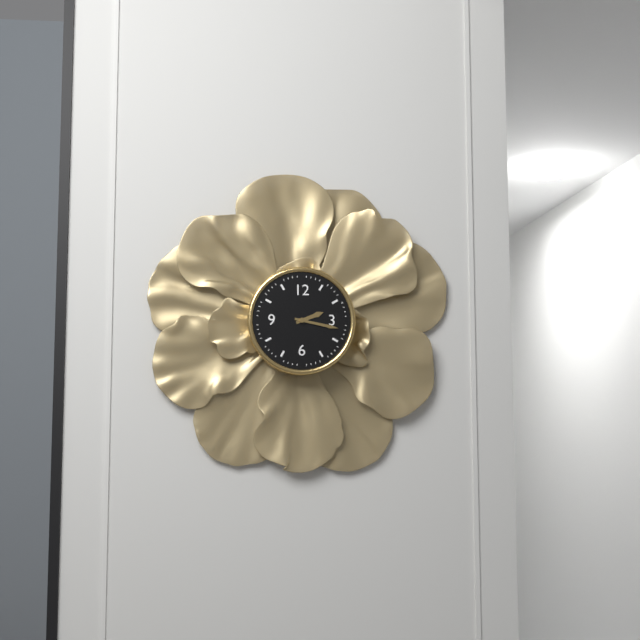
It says 2 h 17 min
